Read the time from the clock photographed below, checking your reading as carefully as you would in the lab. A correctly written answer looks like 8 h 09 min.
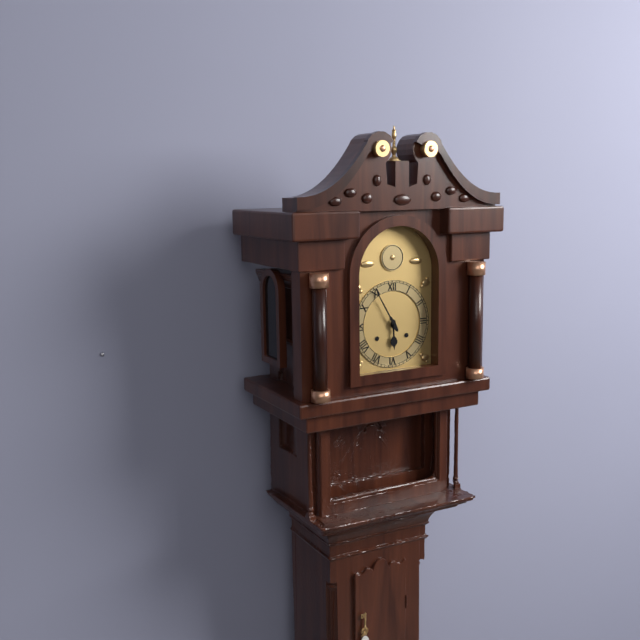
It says 5 h 55 min
